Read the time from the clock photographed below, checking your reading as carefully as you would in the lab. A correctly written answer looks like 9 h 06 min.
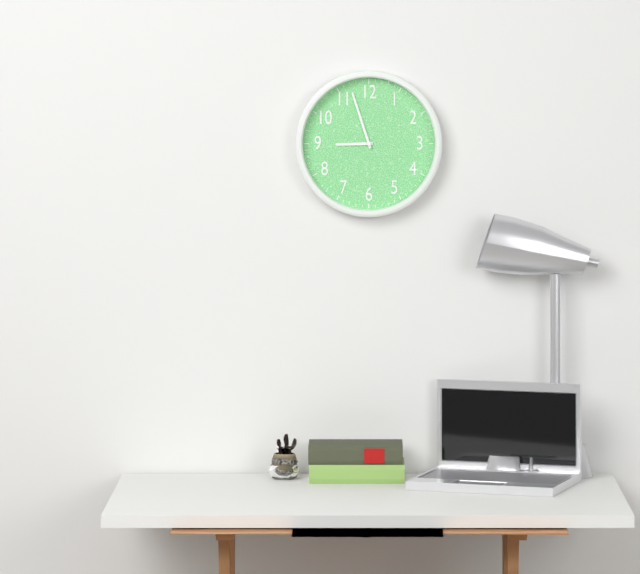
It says 8 h 57 min
